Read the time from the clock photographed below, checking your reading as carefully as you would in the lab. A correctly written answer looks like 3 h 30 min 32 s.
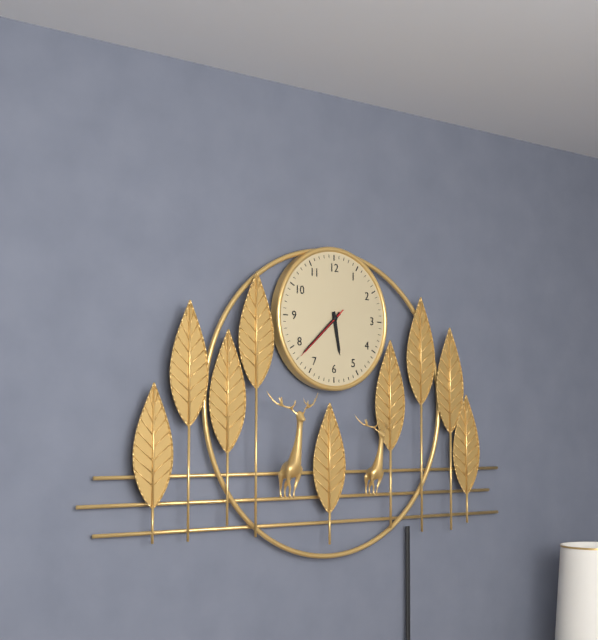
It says 5 h 38 min 38 s
